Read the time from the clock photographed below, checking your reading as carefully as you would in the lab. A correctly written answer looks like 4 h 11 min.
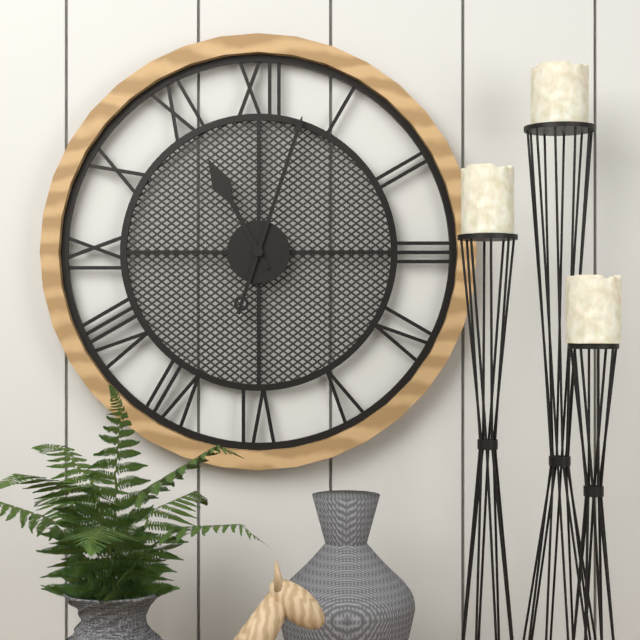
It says 11 h 03 min
